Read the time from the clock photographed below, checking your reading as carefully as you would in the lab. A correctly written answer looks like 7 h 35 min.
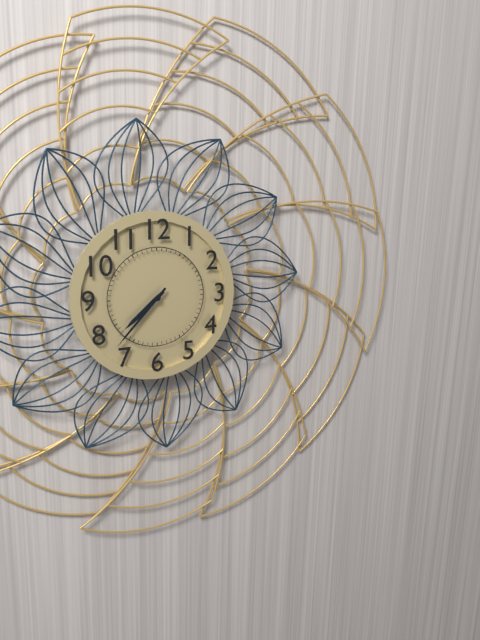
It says 7 h 37 min
